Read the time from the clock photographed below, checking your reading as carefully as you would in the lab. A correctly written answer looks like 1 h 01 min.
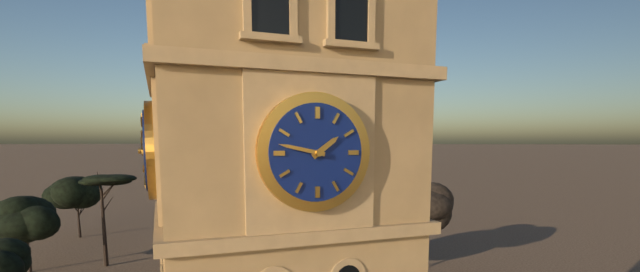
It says 1 h 47 min
